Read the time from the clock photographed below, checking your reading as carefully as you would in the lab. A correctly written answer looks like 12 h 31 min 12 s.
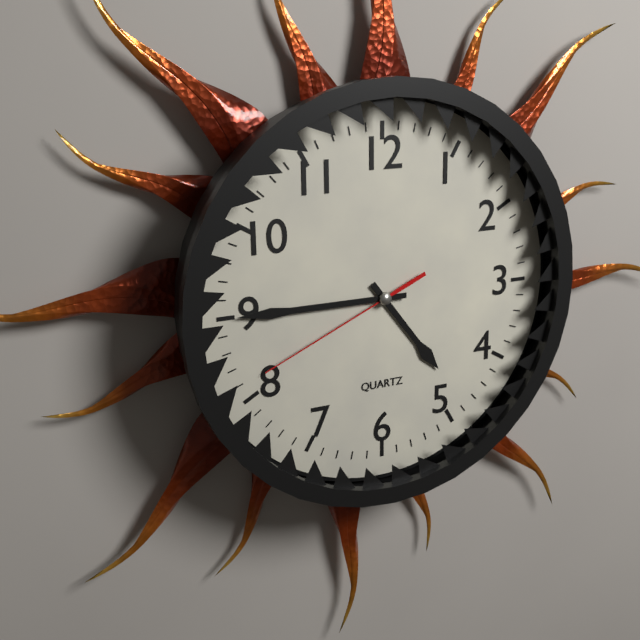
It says 4 h 45 min 41 s
